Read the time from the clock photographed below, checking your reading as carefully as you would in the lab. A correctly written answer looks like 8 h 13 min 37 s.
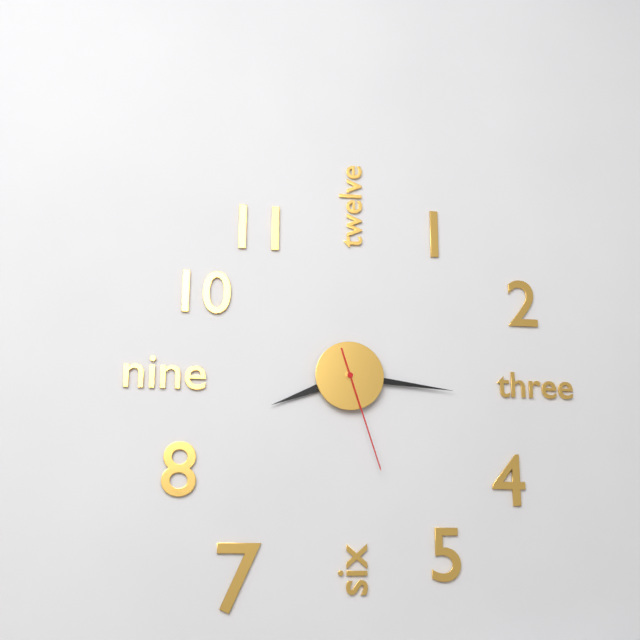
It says 8 h 16 min 27 s
